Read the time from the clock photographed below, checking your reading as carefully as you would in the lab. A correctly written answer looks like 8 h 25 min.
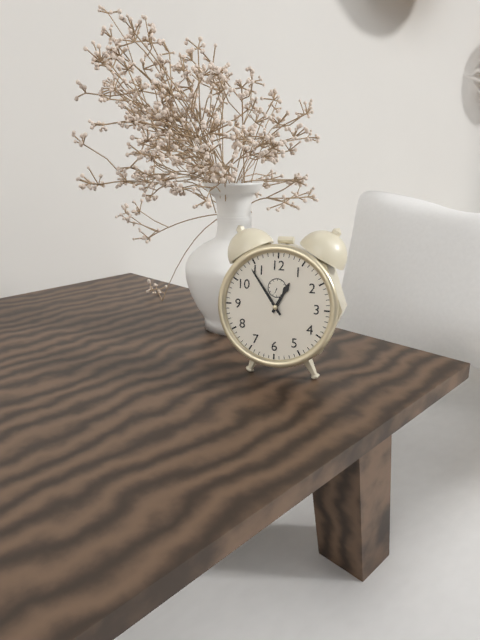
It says 12 h 54 min
